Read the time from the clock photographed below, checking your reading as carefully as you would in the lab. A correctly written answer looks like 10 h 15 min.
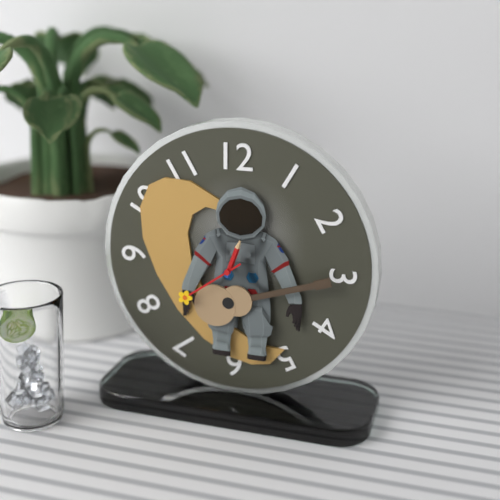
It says 12 h 39 min
